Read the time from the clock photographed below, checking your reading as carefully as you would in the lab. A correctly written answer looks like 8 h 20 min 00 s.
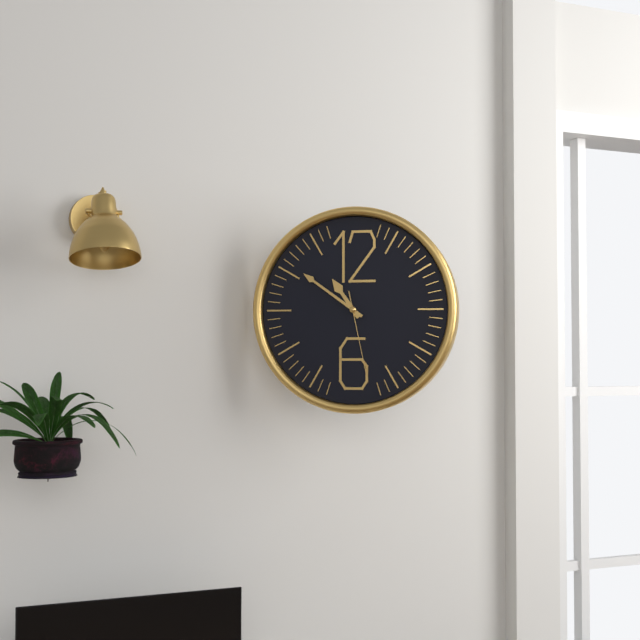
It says 10 h 51 min 28 s
